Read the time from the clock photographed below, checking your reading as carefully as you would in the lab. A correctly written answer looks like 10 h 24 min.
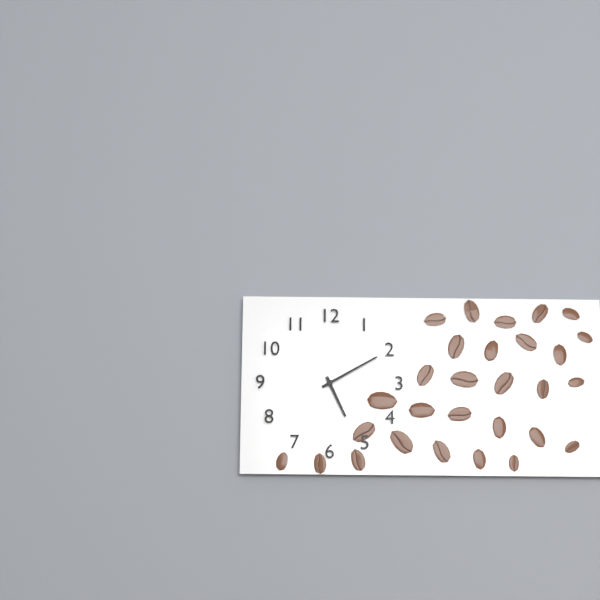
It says 5 h 10 min
